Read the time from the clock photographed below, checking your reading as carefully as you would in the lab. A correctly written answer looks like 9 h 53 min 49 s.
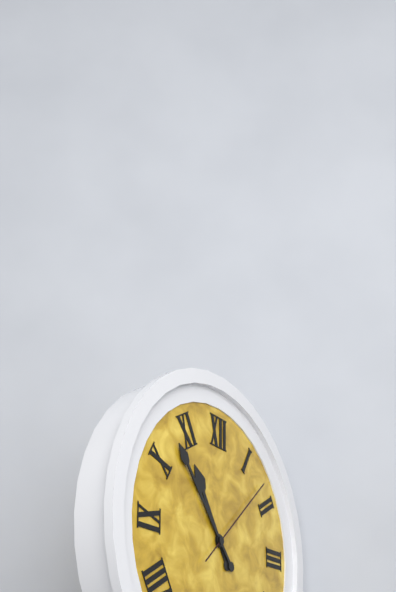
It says 10 h 53 min 08 s
